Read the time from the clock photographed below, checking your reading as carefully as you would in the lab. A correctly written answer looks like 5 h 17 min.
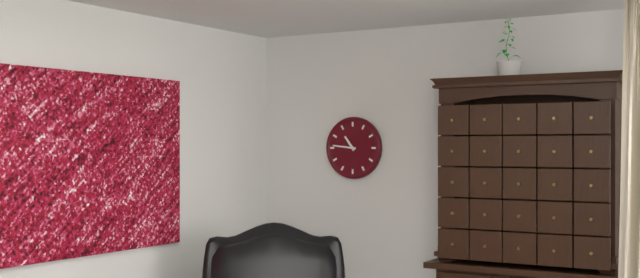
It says 10 h 46 min
